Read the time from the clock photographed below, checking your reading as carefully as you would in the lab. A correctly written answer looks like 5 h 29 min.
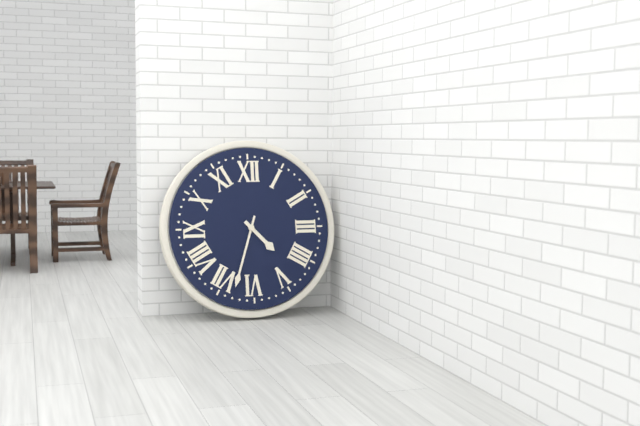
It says 4 h 33 min
